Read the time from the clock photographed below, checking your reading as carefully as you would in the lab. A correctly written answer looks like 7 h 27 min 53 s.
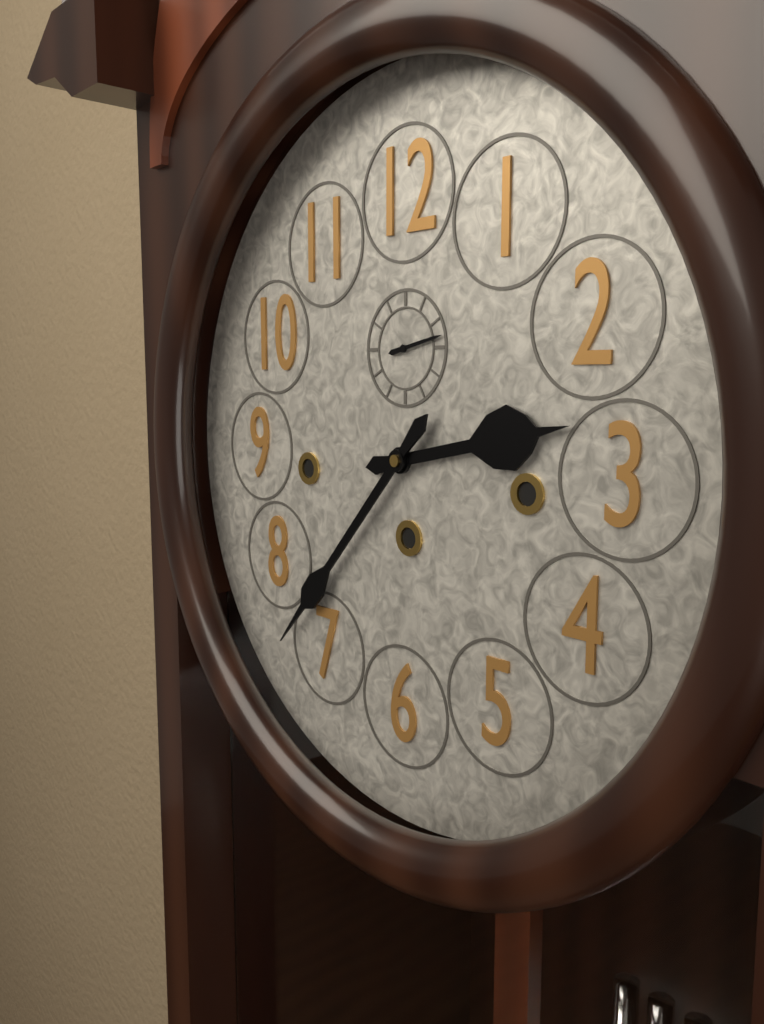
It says 2 h 37 min 13 s
